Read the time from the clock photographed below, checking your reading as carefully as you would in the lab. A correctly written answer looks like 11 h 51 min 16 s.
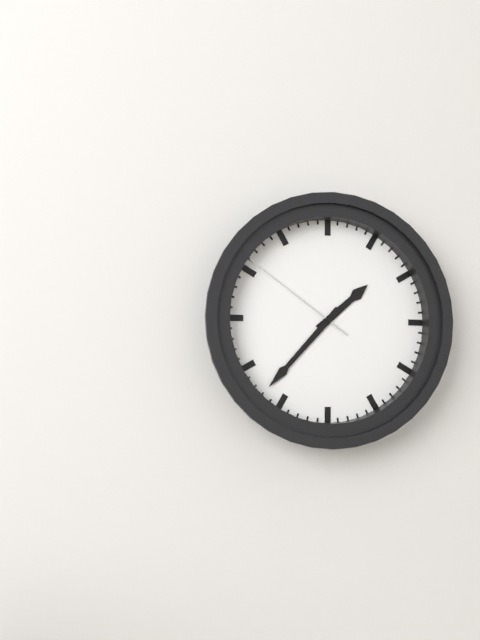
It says 1 h 37 min 51 s
